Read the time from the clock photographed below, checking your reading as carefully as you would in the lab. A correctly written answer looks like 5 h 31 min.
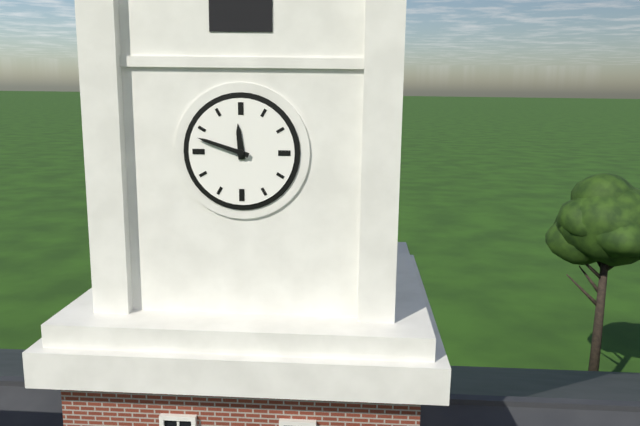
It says 11 h 48 min
